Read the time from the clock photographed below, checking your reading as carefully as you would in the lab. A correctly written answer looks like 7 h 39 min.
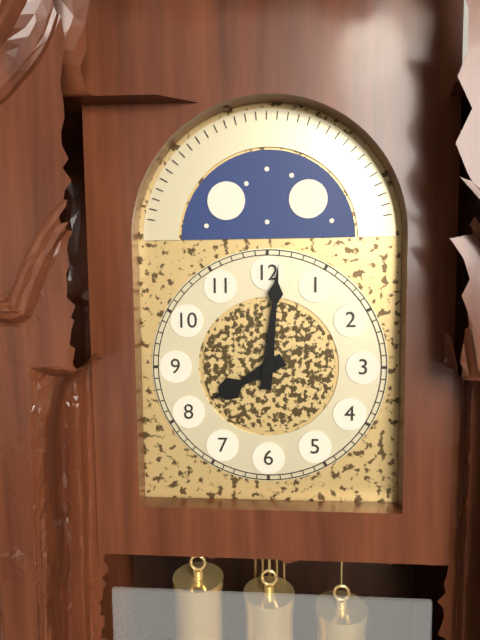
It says 8 h 01 min
